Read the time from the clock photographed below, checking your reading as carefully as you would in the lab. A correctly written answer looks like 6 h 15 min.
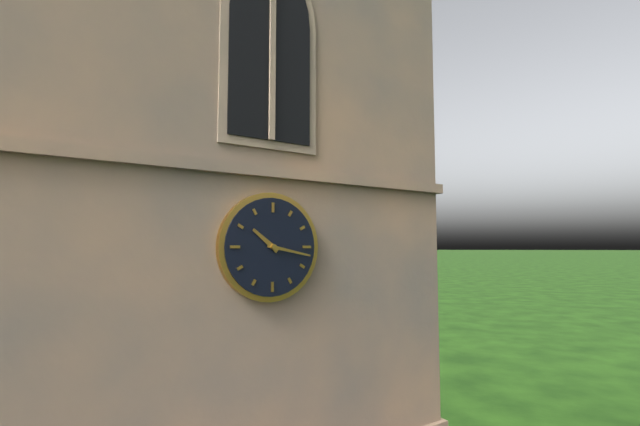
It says 10 h 17 min
